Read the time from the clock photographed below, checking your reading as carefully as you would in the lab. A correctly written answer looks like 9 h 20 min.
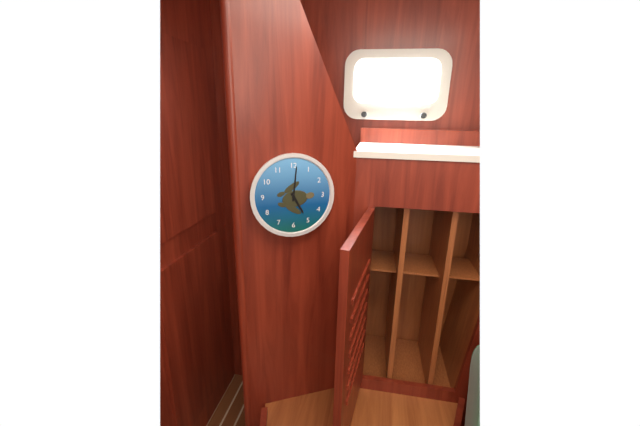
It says 5 h 01 min
